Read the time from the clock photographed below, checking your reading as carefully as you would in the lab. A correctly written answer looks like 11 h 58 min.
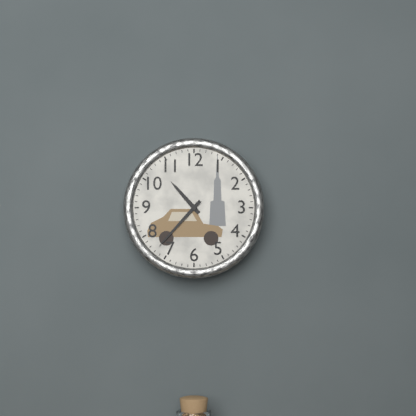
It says 10 h 37 min
